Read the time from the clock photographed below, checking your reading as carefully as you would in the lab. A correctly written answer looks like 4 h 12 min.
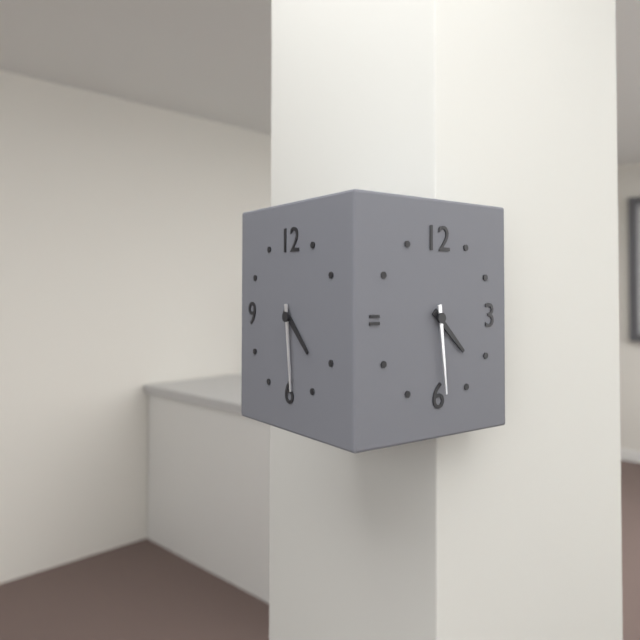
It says 4 h 29 min
